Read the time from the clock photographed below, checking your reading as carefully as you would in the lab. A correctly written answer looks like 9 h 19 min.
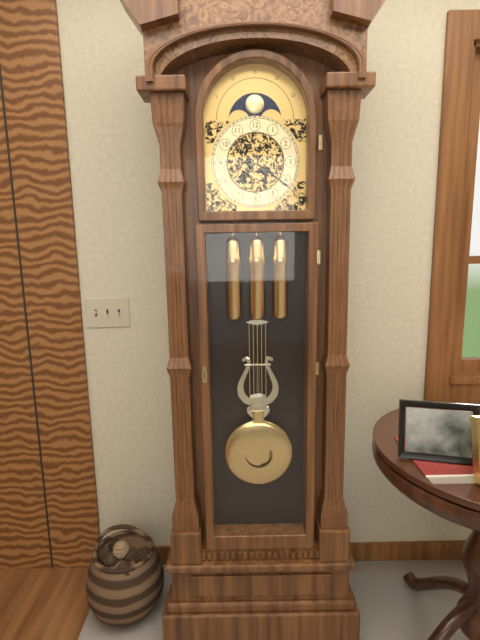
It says 7 h 21 min
